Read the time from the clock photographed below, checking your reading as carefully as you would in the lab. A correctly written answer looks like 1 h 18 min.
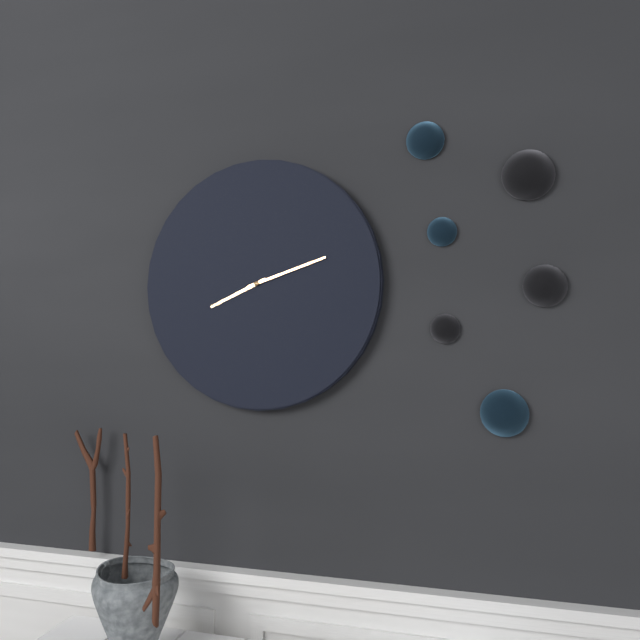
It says 8 h 12 min
